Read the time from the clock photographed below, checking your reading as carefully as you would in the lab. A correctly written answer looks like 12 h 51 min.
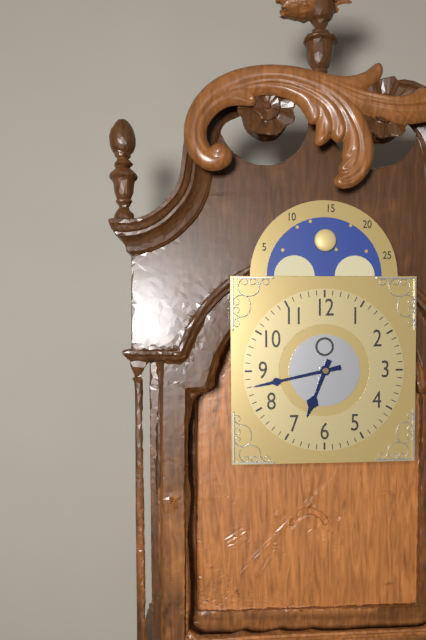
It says 6 h 43 min
